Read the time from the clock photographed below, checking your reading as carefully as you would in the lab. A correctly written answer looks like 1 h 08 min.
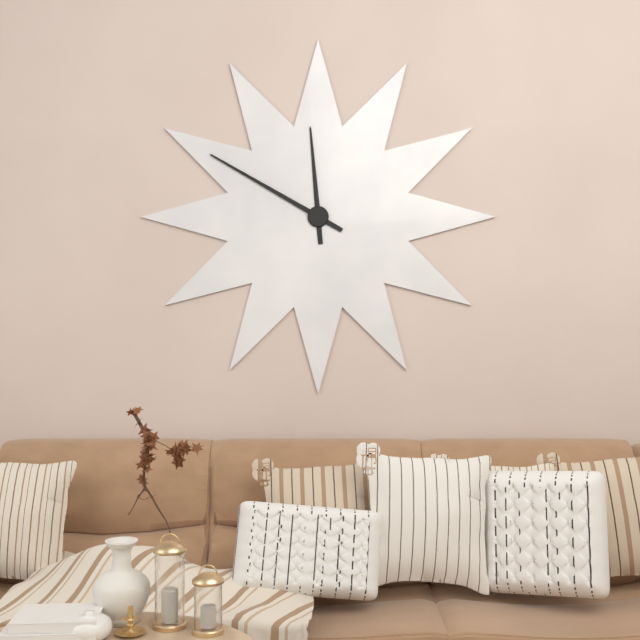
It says 11 h 50 min
